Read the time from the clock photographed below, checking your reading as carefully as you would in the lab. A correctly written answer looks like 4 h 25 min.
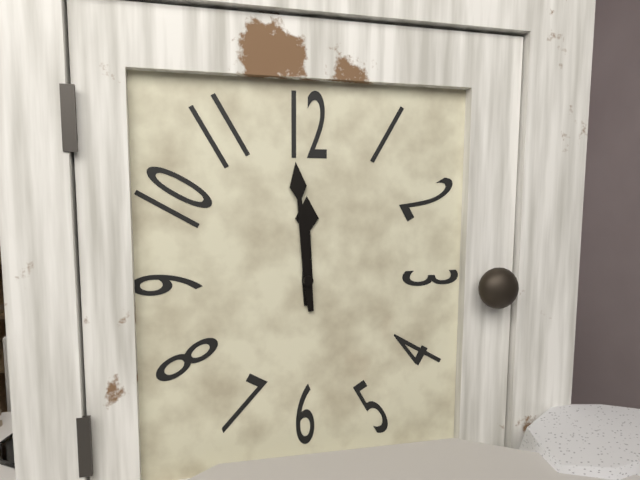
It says 11 h 59 min
